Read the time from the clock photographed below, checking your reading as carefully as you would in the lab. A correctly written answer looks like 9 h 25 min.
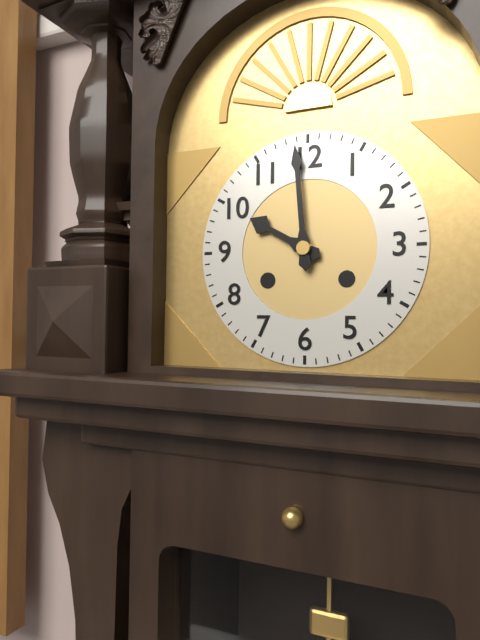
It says 9 h 59 min
